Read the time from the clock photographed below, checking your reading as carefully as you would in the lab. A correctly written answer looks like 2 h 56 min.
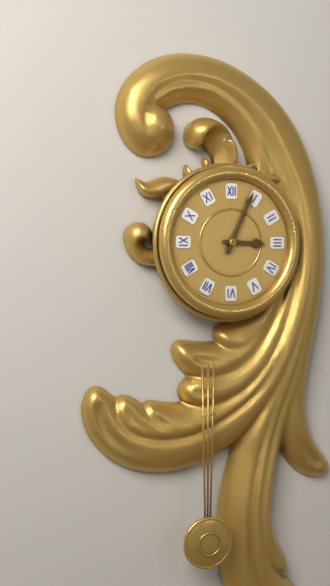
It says 3 h 04 min
